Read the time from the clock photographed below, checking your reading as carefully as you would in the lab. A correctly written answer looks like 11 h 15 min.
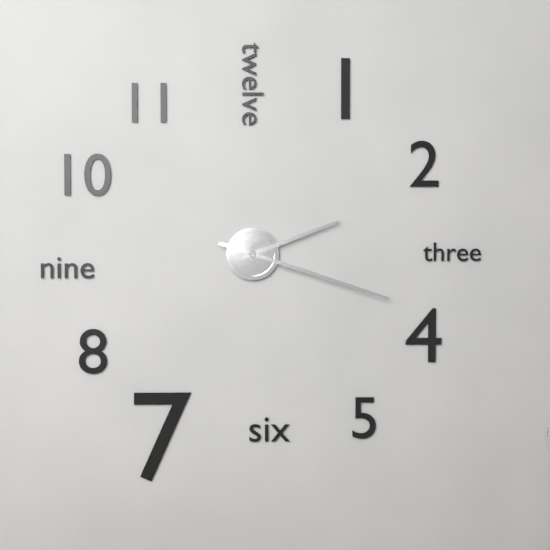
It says 2 h 18 min
